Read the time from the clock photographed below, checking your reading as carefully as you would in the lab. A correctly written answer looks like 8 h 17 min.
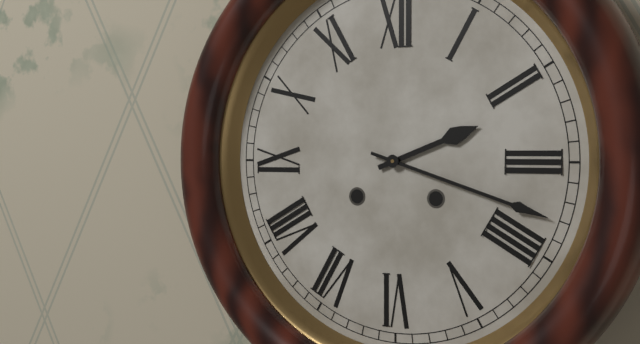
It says 2 h 18 min
